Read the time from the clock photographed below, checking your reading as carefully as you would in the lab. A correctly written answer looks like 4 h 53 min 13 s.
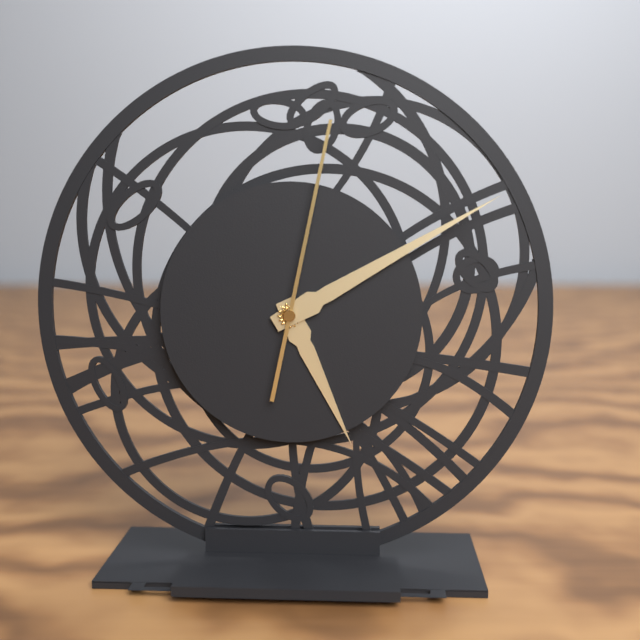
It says 5 h 10 min 02 s
